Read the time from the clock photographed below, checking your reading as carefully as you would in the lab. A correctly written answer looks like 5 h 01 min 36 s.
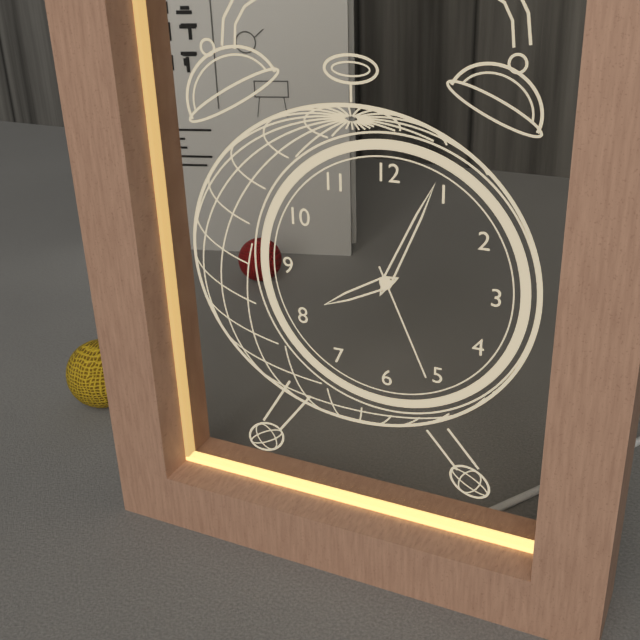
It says 8 h 04 min 26 s
